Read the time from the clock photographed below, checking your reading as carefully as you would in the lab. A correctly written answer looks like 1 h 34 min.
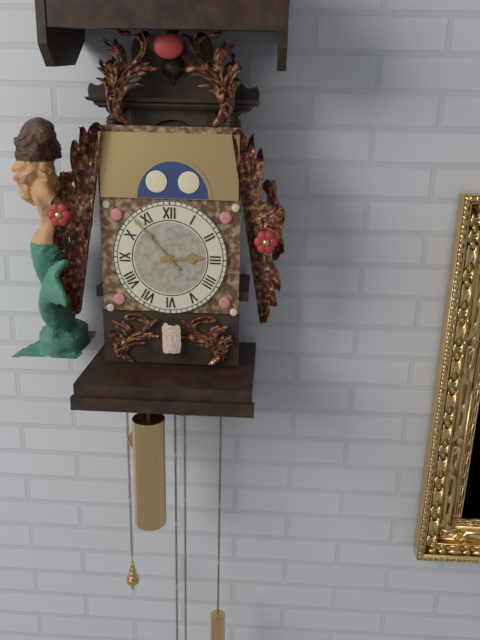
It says 2 h 53 min
